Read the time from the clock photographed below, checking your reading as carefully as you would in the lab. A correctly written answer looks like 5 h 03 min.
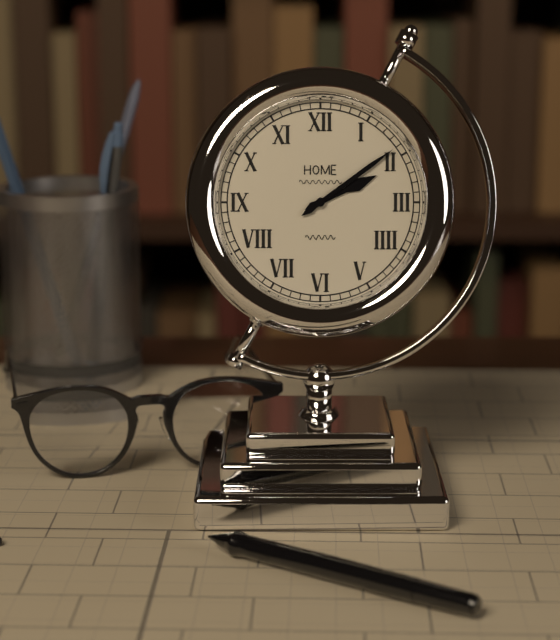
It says 2 h 09 min
